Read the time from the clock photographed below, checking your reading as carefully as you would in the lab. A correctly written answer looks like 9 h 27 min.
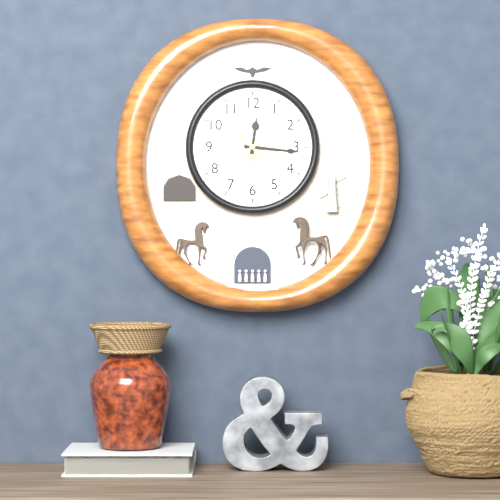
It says 12 h 16 min
